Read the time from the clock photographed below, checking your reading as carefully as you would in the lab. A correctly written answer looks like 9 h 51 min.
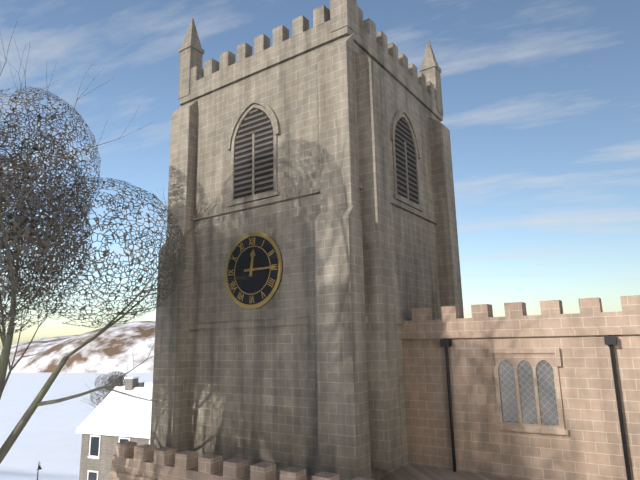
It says 12 h 15 min
